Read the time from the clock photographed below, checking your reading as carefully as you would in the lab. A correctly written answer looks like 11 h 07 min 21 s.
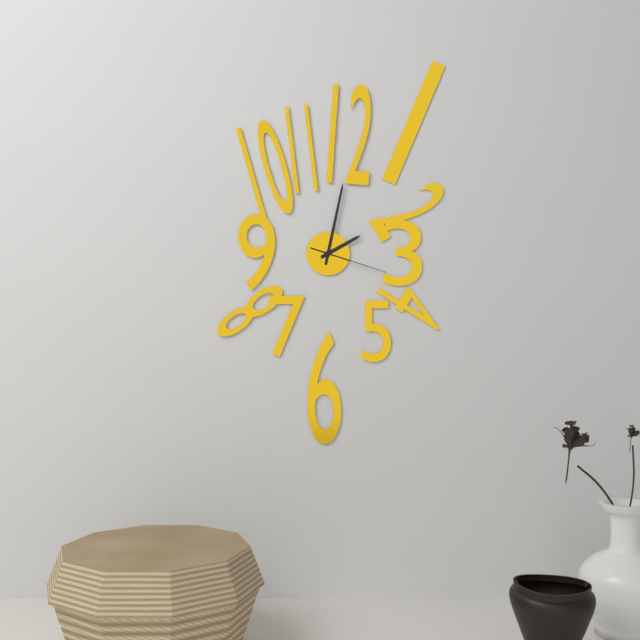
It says 2 h 02 min 18 s
